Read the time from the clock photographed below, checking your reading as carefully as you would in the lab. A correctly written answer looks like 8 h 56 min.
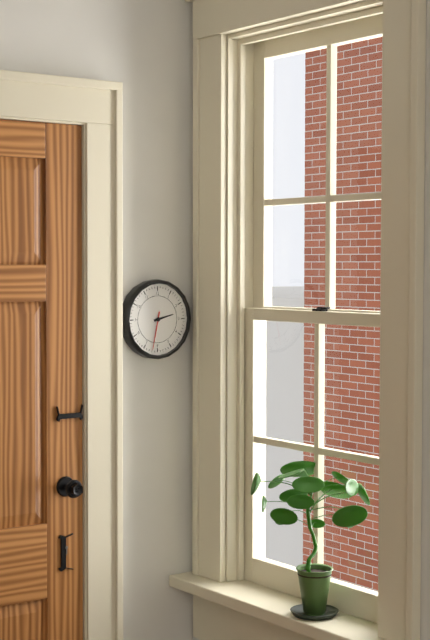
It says 2 h 32 min
